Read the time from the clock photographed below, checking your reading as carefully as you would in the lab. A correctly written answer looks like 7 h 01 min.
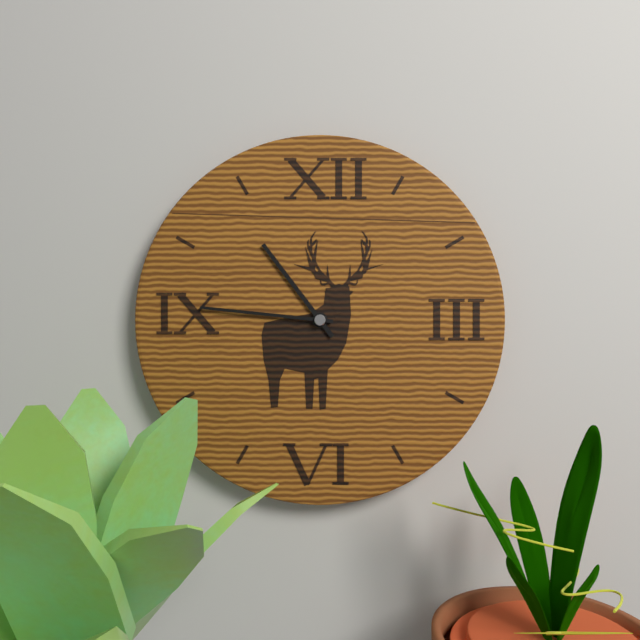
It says 10 h 46 min
